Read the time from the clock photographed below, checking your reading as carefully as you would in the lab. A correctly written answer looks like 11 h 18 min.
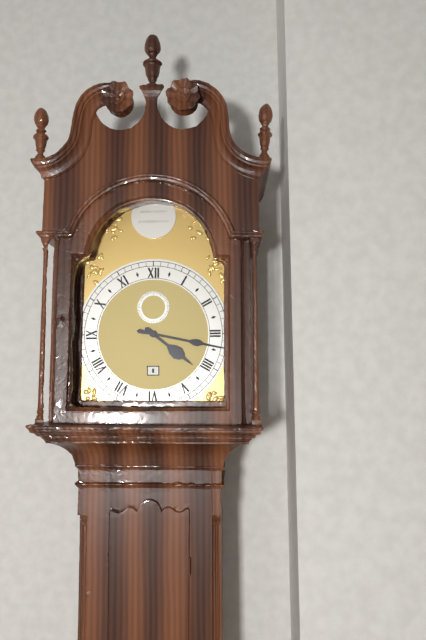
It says 4 h 17 min
